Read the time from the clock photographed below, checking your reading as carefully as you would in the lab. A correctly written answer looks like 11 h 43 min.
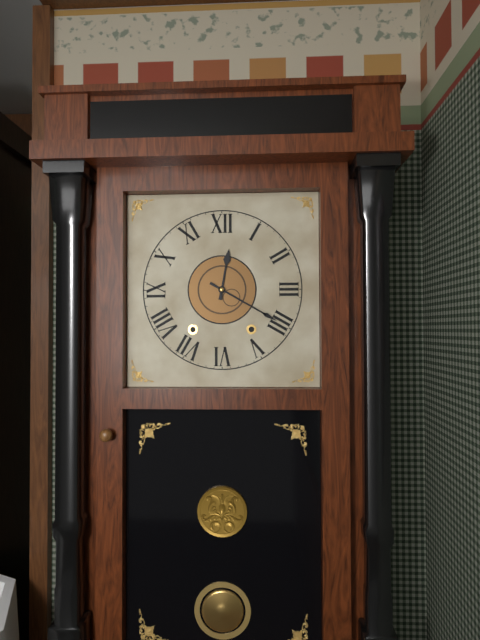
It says 12 h 20 min
